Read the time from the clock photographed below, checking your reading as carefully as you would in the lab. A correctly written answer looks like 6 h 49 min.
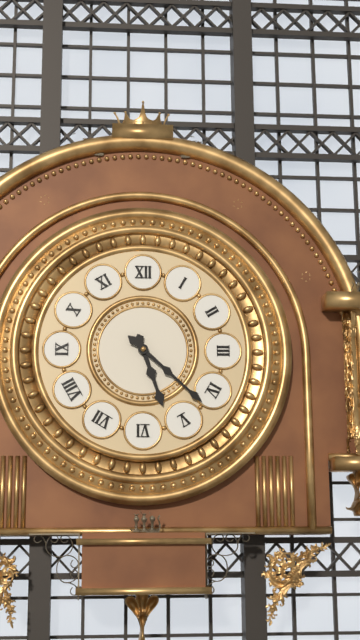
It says 5 h 22 min
